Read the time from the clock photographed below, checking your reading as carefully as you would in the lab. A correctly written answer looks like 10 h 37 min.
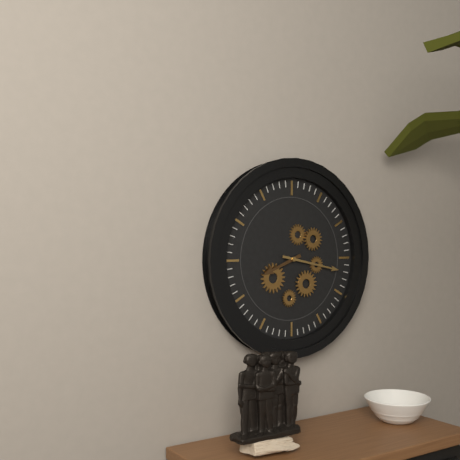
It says 8 h 17 min
